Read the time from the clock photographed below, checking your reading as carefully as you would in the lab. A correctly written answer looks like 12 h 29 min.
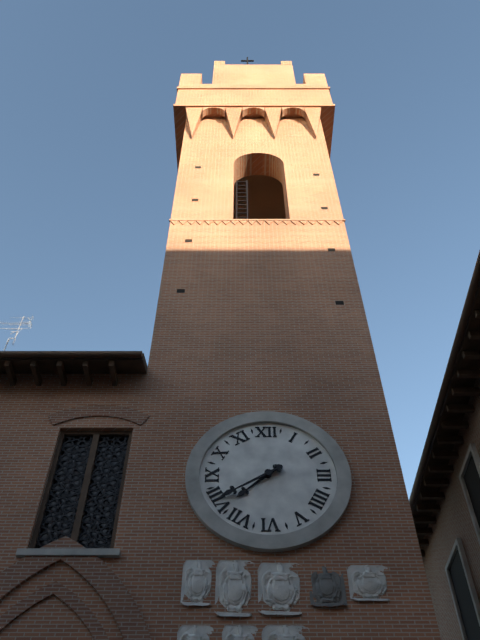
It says 7 h 40 min
